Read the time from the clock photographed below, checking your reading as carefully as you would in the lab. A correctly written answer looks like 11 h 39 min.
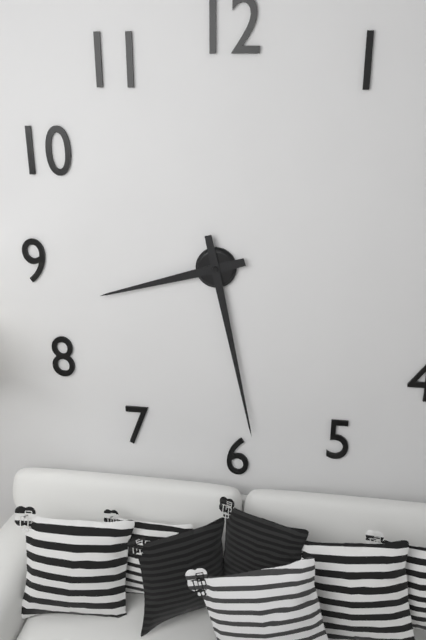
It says 8 h 28 min
